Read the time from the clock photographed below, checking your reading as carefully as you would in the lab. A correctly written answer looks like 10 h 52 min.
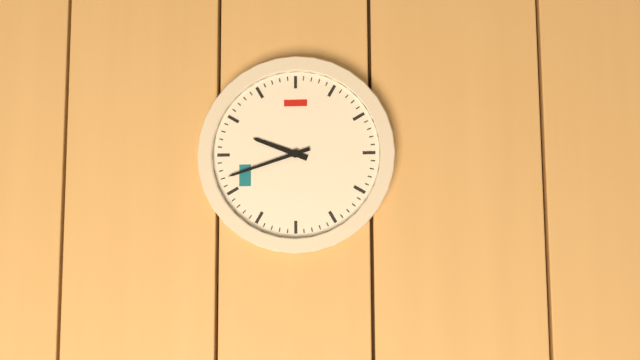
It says 9 h 42 min
